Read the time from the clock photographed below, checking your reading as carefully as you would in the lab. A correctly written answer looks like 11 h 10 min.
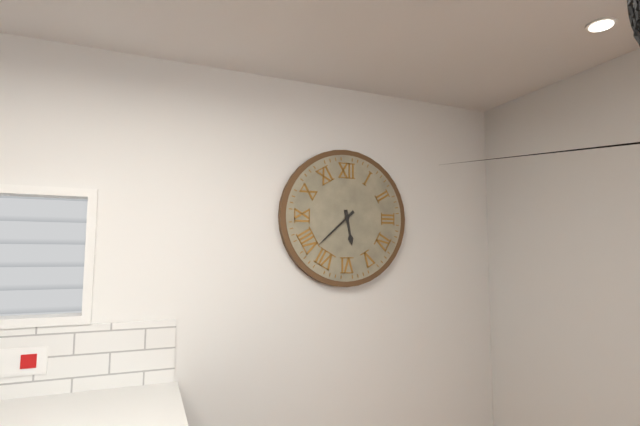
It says 5 h 38 min
